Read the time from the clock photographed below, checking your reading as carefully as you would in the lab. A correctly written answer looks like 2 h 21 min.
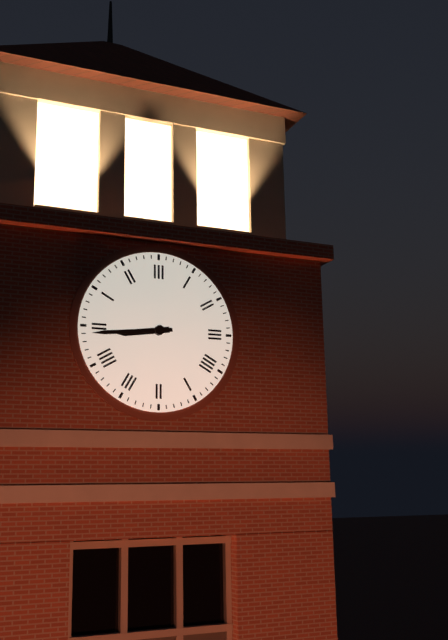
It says 8 h 44 min
